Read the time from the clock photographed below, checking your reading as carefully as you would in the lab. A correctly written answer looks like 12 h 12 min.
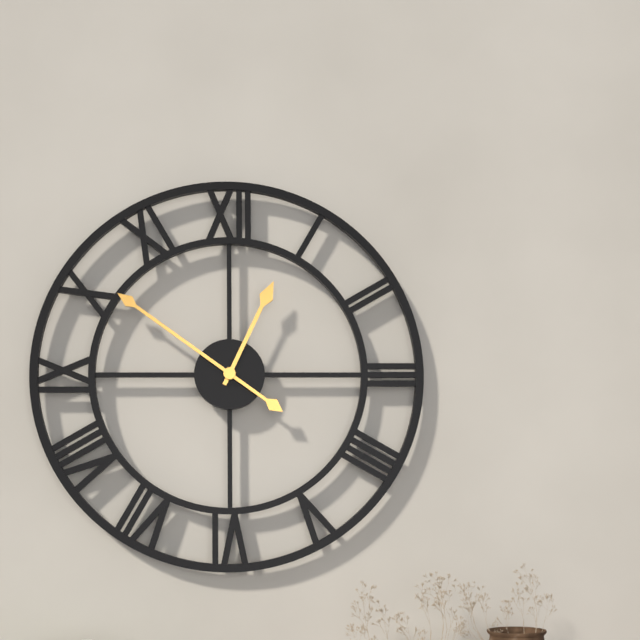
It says 12 h 51 min
